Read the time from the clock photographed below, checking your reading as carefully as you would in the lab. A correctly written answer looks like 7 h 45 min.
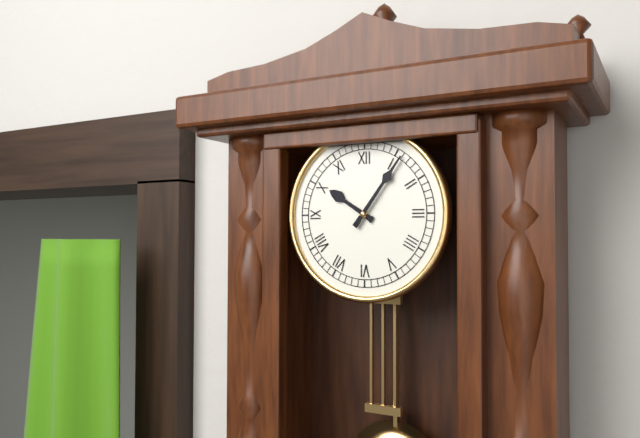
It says 10 h 06 min
